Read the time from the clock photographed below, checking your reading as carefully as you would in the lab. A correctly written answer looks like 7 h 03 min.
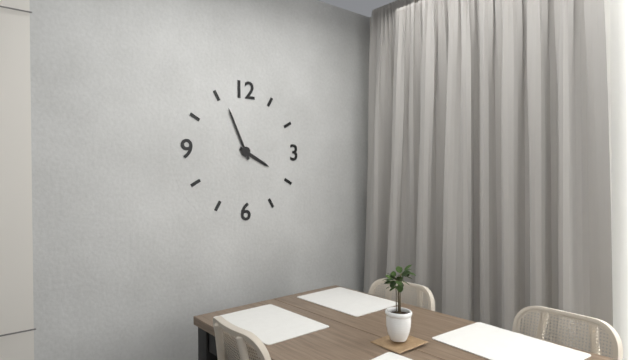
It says 3 h 56 min
